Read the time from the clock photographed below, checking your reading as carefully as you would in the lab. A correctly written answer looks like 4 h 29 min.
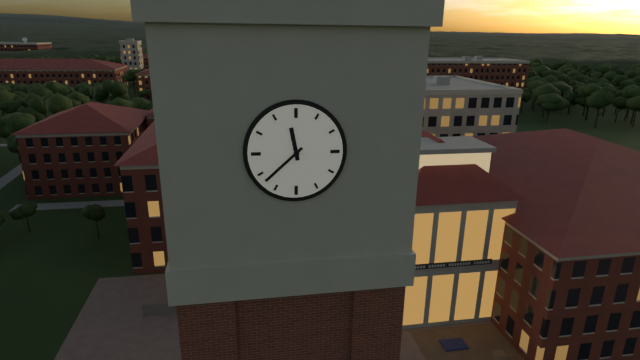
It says 11 h 38 min
